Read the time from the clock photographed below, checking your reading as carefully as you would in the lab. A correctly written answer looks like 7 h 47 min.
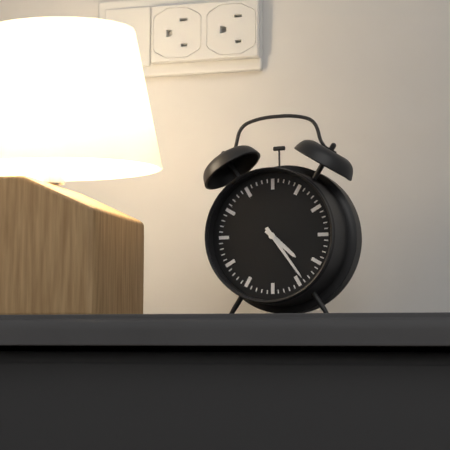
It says 4 h 24 min
